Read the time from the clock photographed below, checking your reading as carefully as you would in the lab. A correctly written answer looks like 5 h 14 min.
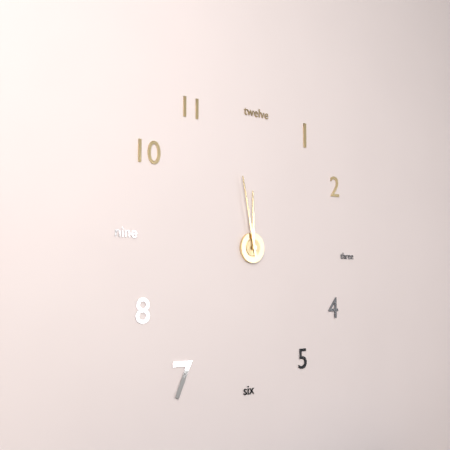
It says 11 h 58 min
